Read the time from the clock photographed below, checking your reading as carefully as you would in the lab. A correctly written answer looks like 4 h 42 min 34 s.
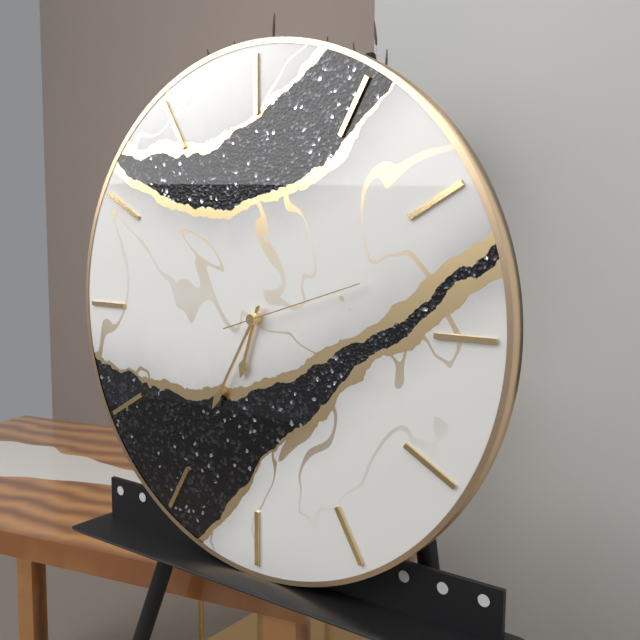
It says 6 h 35 min 12 s
